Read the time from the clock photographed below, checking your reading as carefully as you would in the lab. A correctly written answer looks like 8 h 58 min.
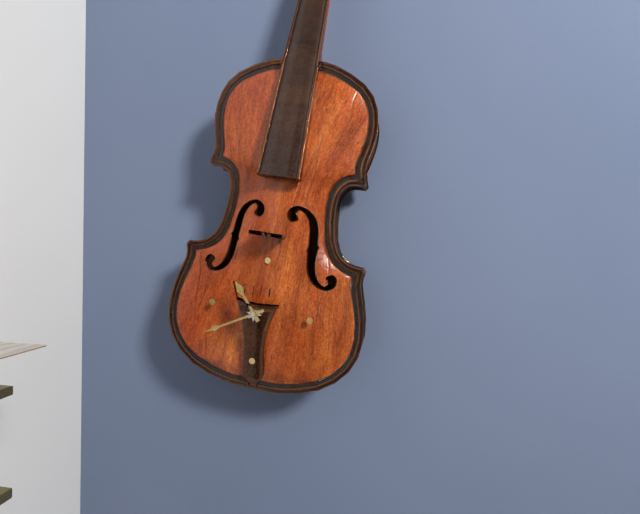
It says 10 h 40 min
